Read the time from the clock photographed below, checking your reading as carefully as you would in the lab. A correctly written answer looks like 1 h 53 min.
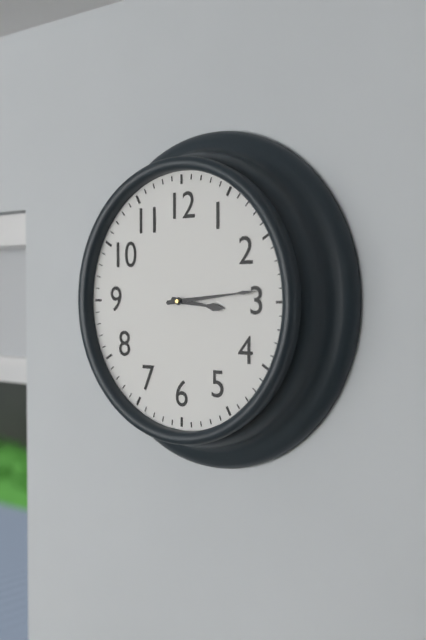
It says 3 h 14 min
